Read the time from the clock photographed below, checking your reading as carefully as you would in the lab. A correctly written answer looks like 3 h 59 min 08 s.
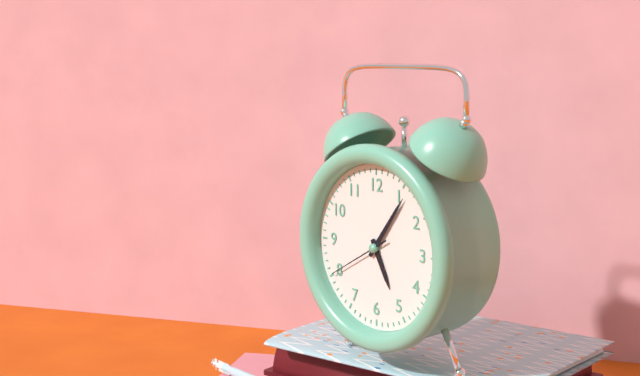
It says 5 h 06 min 40 s
